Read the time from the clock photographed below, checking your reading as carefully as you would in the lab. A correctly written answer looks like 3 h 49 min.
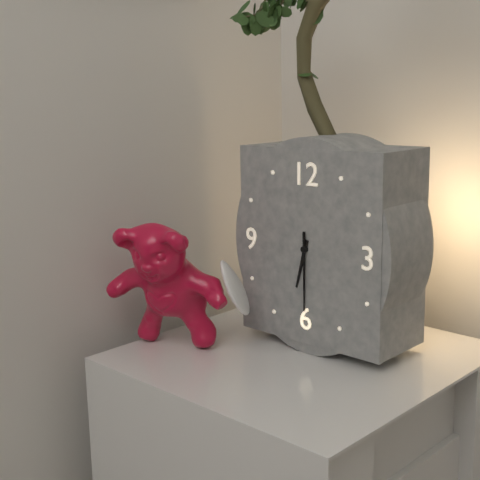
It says 6 h 30 min
